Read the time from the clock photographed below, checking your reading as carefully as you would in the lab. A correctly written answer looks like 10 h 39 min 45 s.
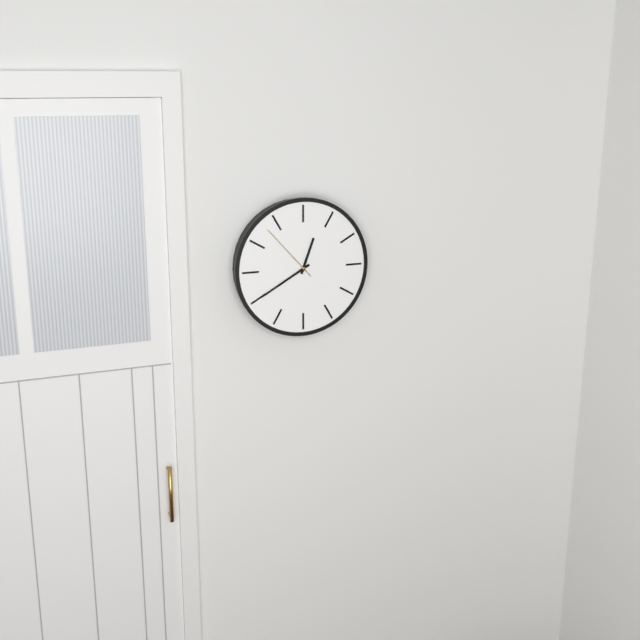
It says 12 h 40 min 53 s
